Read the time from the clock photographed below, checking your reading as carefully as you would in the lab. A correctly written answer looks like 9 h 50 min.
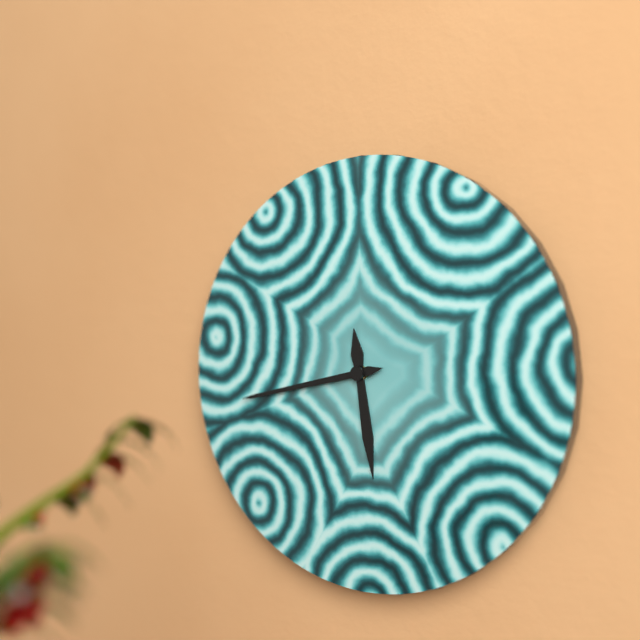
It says 5 h 43 min
